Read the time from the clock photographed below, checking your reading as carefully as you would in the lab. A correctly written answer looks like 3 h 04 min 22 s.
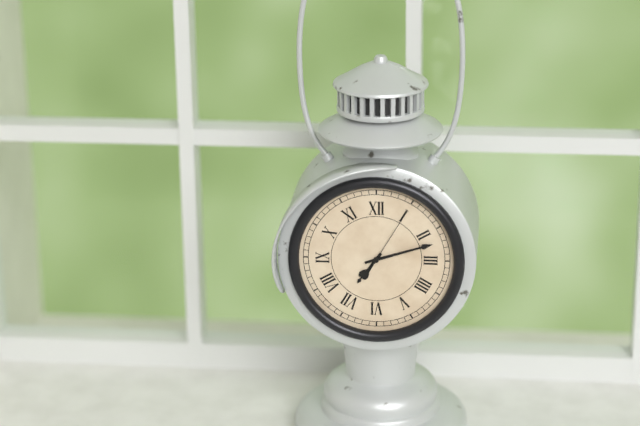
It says 7 h 12 min 05 s
